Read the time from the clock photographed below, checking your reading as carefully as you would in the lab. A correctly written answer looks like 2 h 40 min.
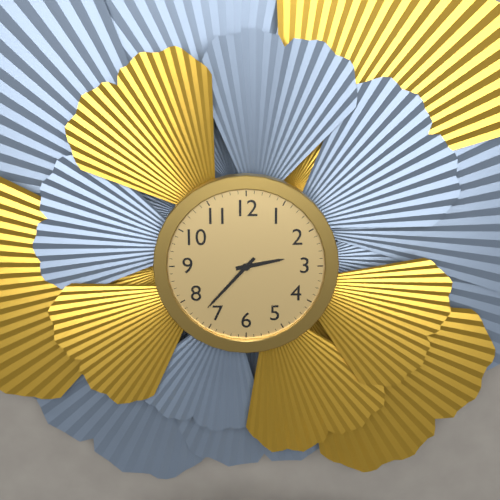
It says 2 h 37 min
